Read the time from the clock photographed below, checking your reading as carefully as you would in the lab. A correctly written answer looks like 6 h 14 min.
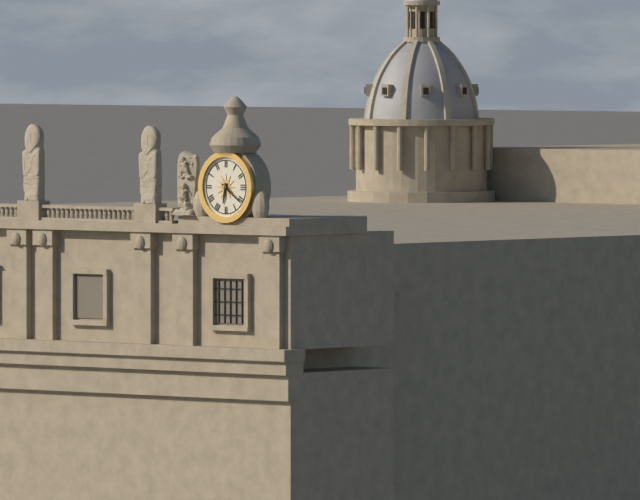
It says 6 h 21 min
